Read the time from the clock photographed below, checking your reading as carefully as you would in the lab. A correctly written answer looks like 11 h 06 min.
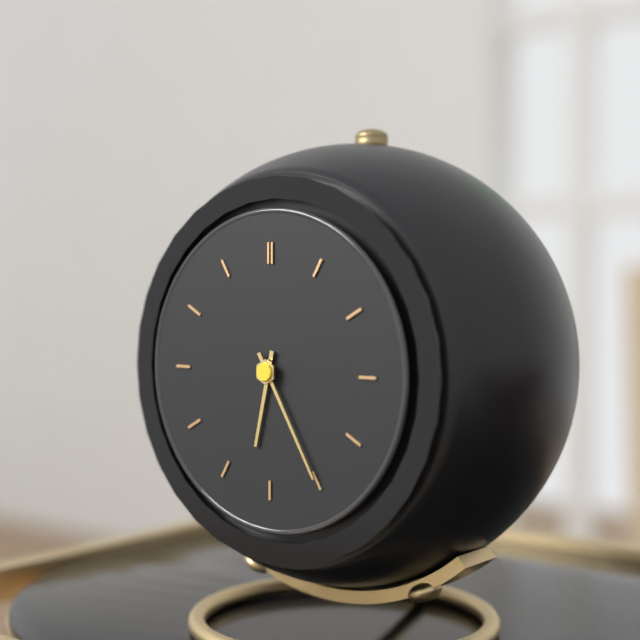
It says 6 h 25 min
